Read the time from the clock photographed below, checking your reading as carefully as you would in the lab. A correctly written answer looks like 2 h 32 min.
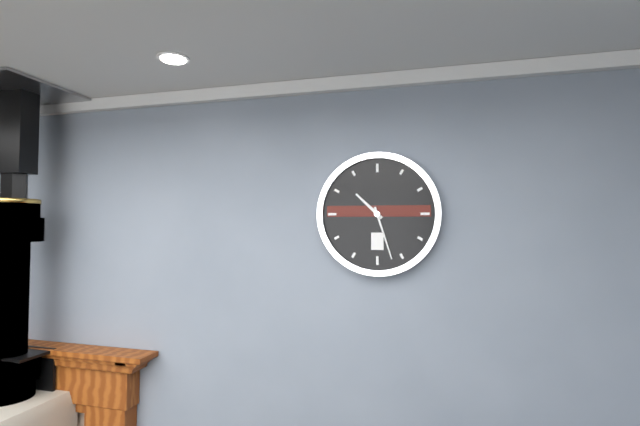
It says 10 h 27 min
